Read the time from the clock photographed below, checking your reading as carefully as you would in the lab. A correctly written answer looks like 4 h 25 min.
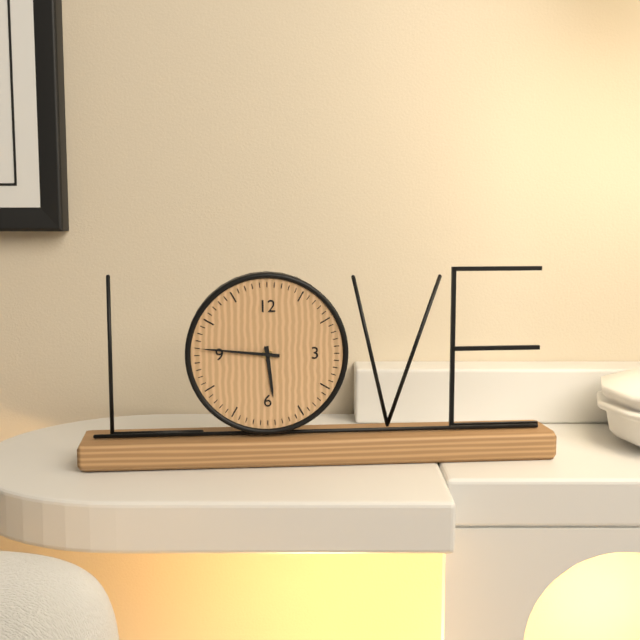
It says 5 h 46 min
